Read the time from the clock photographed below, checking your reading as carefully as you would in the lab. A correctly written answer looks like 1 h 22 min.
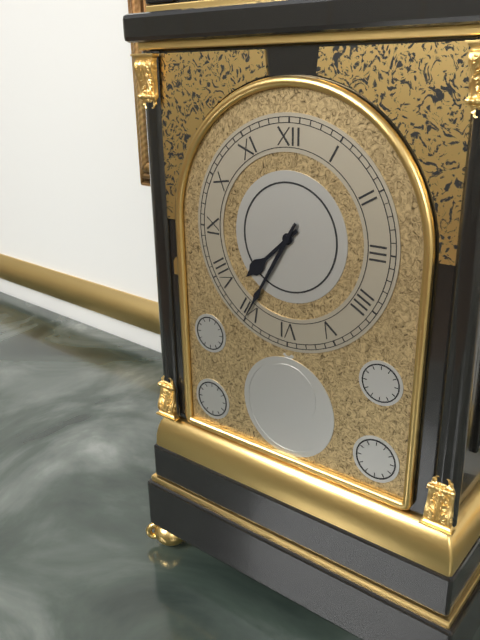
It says 7 h 35 min
